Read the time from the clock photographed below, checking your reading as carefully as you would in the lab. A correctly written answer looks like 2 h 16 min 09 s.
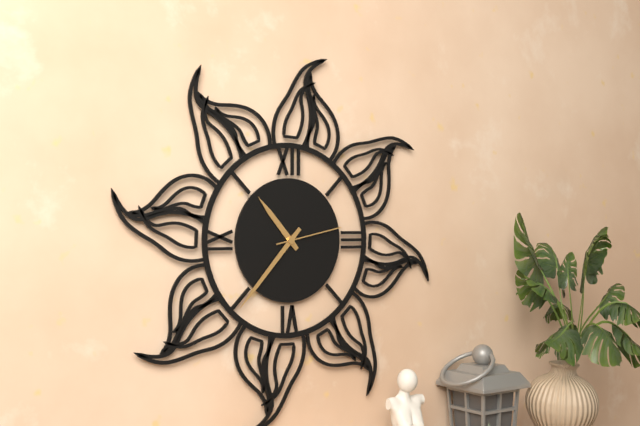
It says 10 h 37 min 13 s
